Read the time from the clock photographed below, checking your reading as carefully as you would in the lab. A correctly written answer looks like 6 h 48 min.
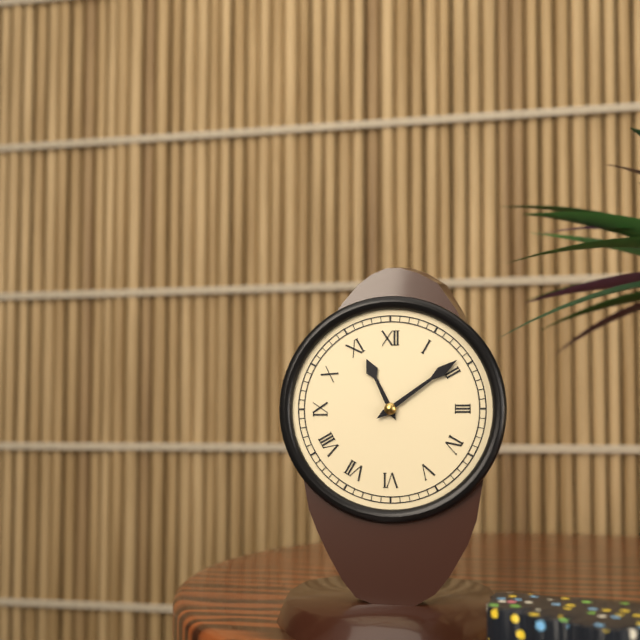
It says 11 h 09 min
